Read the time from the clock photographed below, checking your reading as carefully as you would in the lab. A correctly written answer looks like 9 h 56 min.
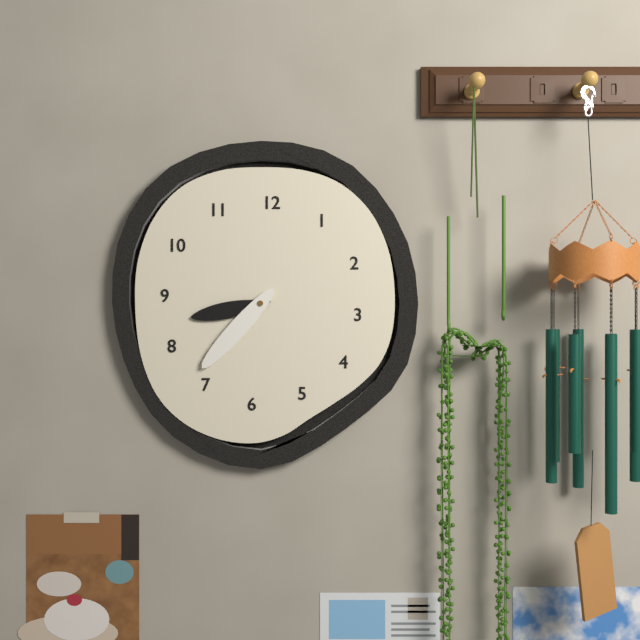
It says 8 h 37 min
